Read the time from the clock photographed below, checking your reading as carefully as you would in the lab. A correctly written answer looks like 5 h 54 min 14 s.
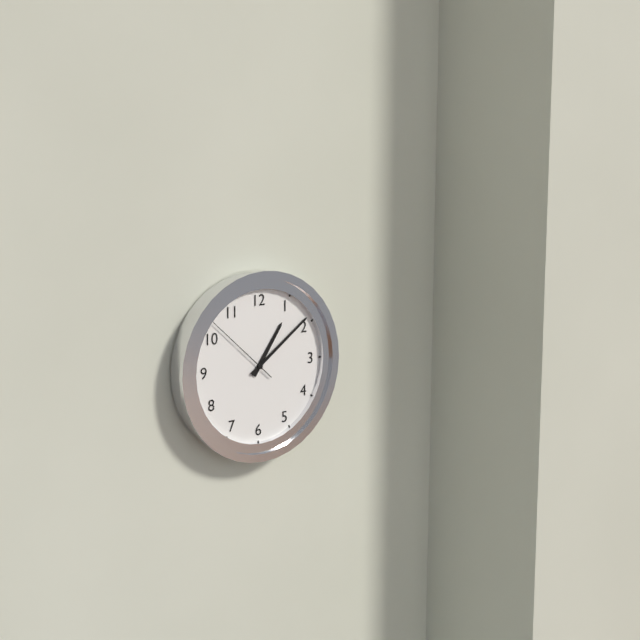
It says 1 h 09 min 52 s
